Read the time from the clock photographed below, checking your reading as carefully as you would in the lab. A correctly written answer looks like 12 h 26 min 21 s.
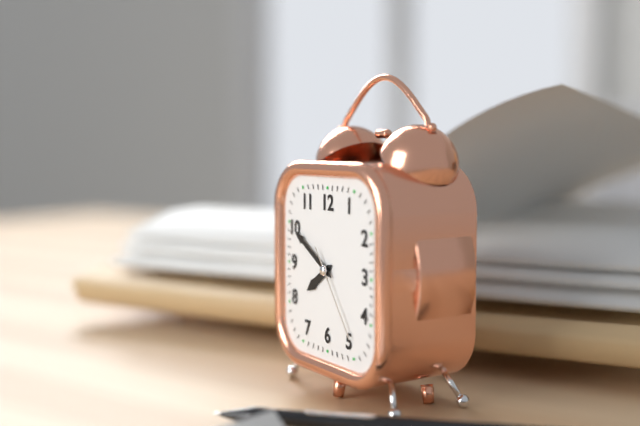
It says 7 h 50 min 24 s
